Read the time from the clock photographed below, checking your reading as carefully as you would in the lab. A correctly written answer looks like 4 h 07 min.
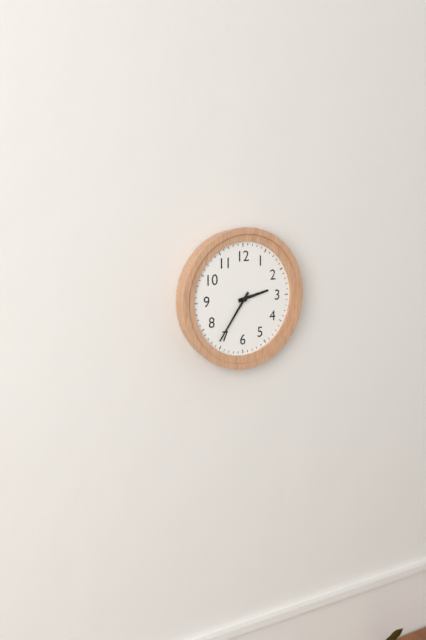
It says 2 h 36 min
